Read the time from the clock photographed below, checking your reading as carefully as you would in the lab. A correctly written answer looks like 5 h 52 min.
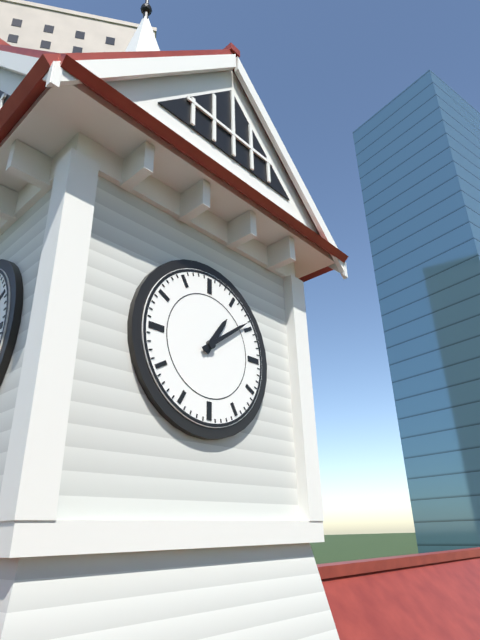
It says 1 h 09 min
